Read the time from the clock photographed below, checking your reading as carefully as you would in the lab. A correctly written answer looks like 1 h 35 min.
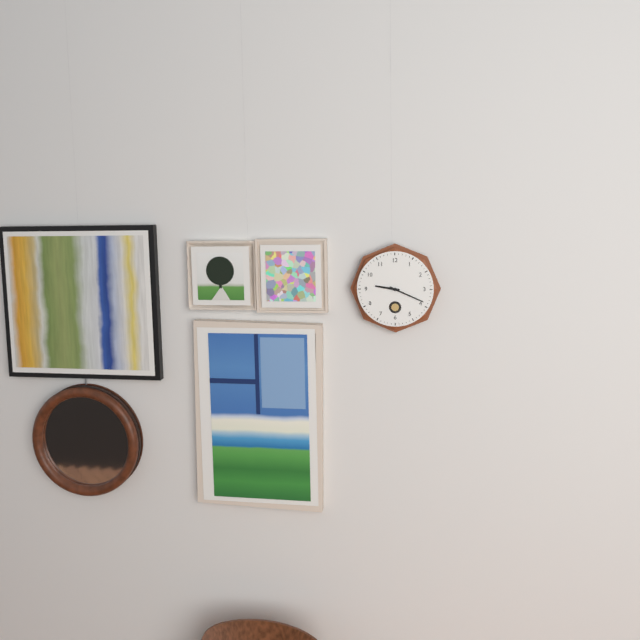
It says 9 h 19 min
